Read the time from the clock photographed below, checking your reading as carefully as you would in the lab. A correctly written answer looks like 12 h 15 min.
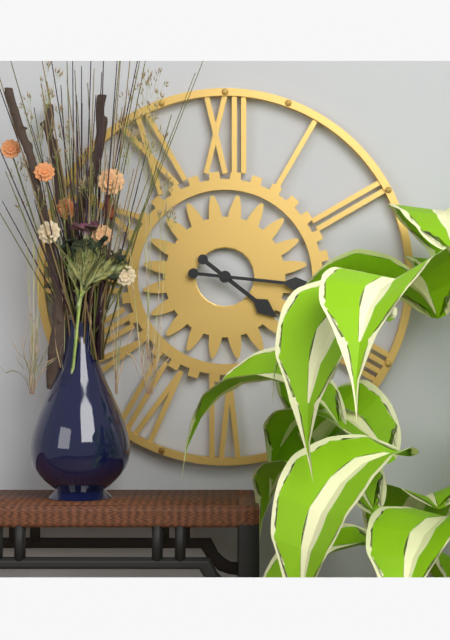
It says 4 h 16 min
